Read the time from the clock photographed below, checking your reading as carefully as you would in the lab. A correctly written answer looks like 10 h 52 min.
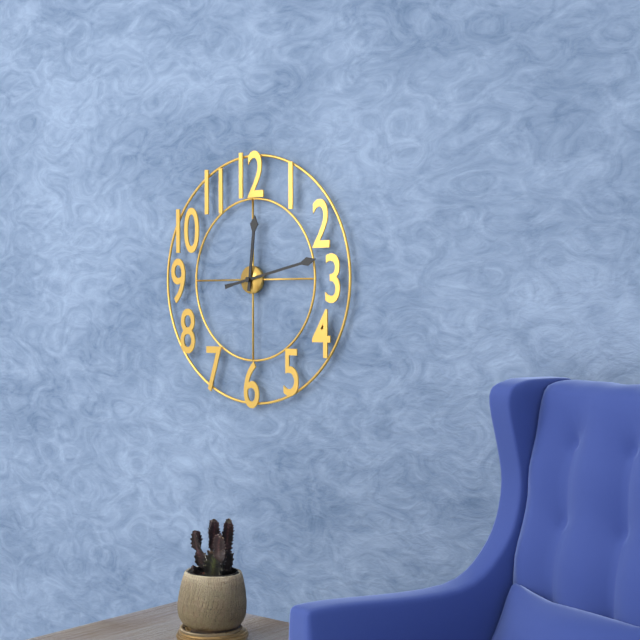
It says 12 h 13 min
